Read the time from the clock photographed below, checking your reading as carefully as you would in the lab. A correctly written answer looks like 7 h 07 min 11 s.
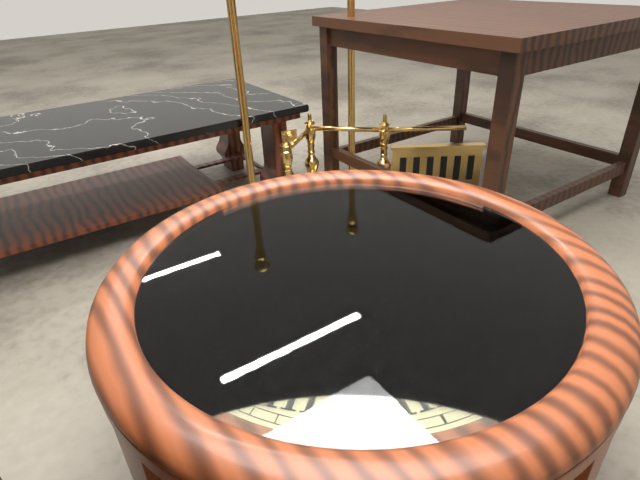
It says 2 h 09 min 17 s
